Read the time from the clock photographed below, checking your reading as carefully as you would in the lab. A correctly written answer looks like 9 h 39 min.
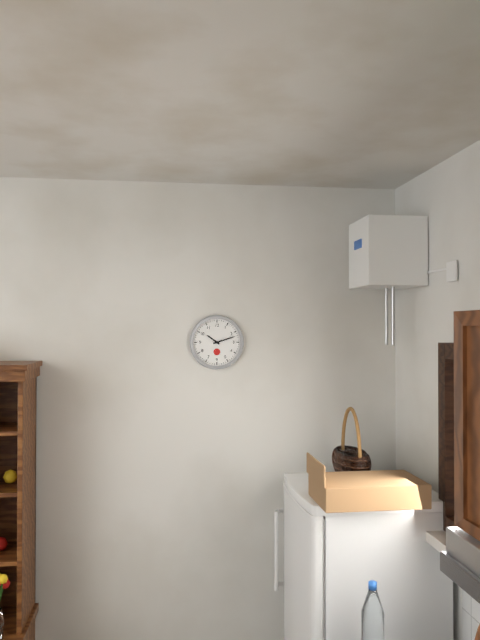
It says 10 h 12 min
